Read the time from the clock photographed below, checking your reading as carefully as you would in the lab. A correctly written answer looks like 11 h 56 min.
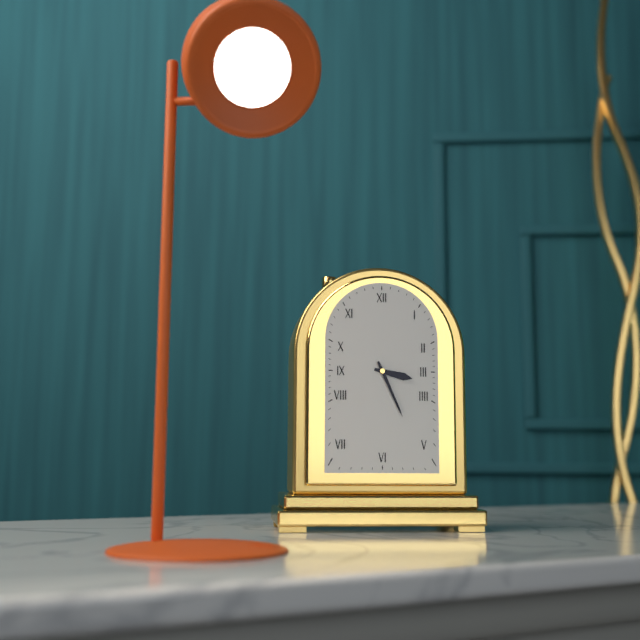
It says 3 h 26 min
